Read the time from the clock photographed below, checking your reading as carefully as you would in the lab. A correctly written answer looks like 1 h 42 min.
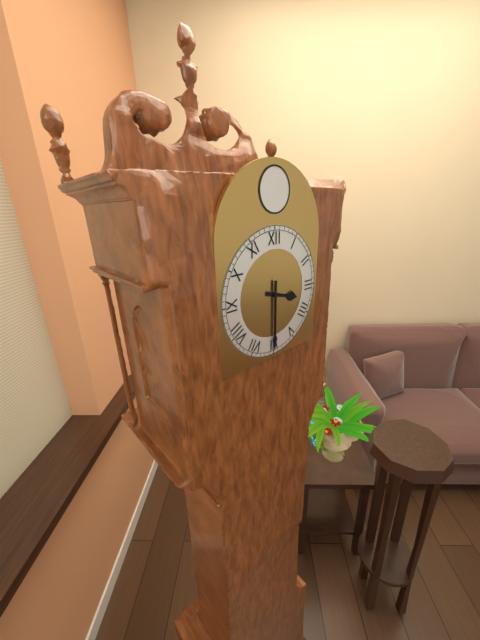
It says 3 h 30 min
